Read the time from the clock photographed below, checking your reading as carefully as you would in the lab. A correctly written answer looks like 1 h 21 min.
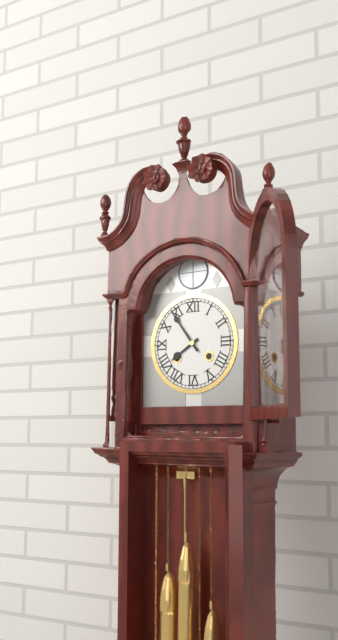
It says 7 h 54 min
